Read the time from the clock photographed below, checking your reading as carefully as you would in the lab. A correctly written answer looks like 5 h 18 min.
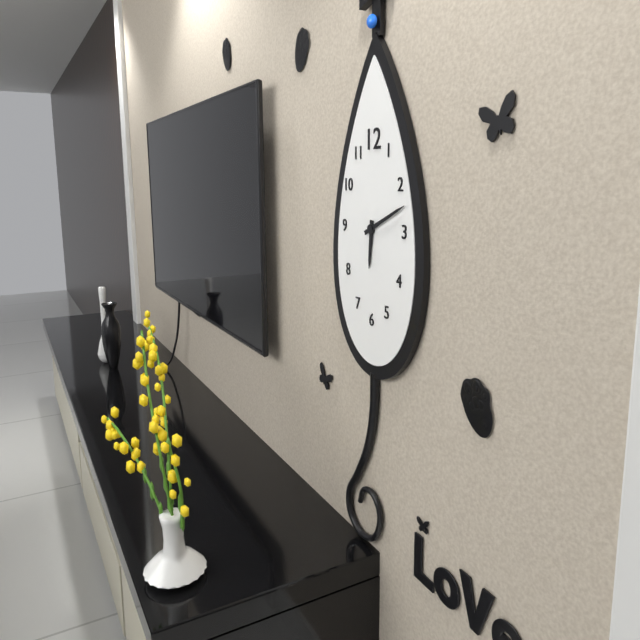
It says 6 h 11 min
